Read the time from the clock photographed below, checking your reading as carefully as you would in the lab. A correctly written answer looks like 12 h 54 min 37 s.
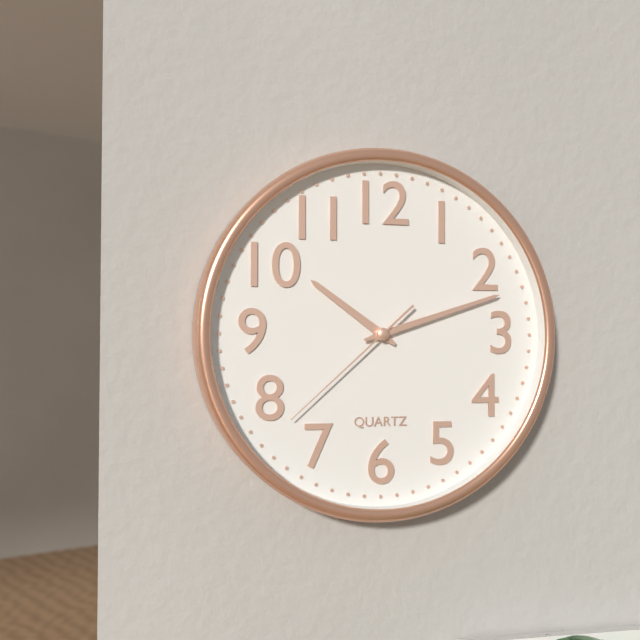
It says 10 h 12 min 38 s
